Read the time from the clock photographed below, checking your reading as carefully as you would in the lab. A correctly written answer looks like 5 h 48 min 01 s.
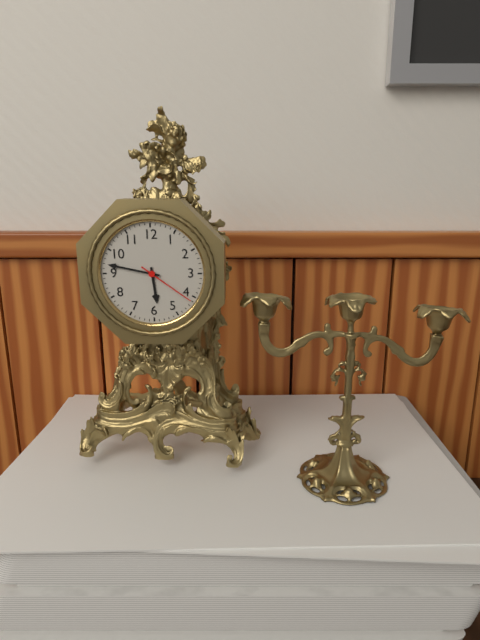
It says 5 h 47 min 21 s
